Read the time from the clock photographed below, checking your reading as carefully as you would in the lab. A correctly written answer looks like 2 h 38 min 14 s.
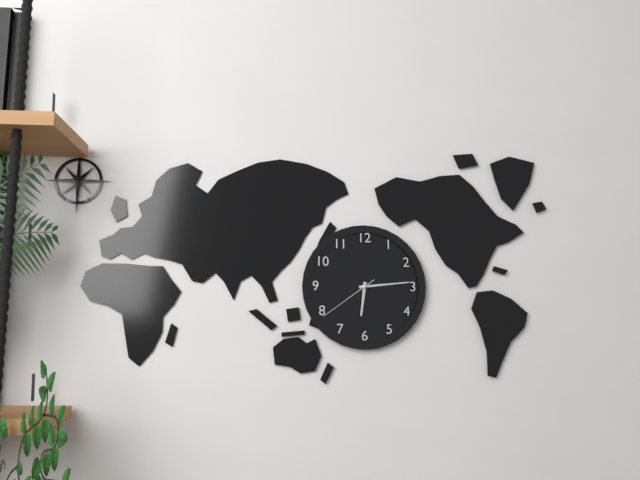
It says 6 h 14 min 39 s
